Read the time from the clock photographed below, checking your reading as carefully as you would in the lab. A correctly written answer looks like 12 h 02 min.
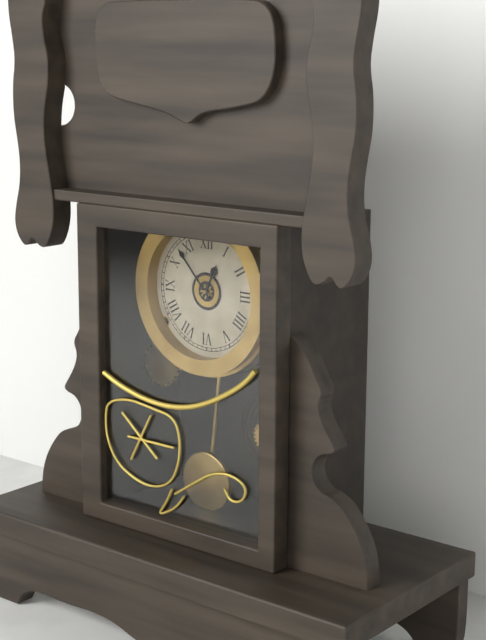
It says 12 h 53 min
